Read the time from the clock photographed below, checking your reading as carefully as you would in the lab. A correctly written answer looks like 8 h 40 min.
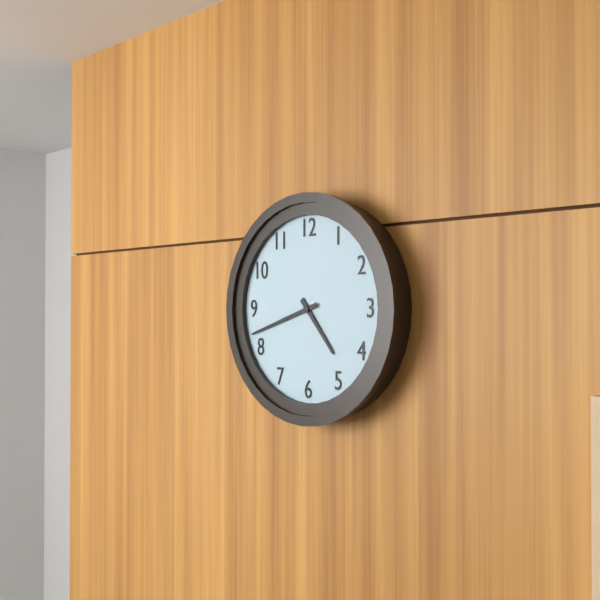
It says 4 h 42 min
